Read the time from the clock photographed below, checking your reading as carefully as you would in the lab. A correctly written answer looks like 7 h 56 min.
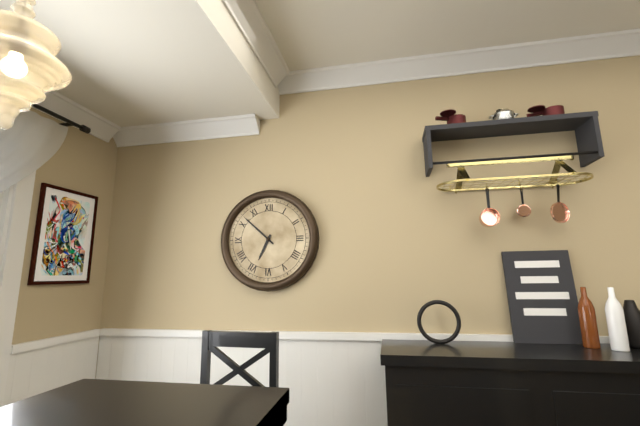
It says 6 h 52 min
